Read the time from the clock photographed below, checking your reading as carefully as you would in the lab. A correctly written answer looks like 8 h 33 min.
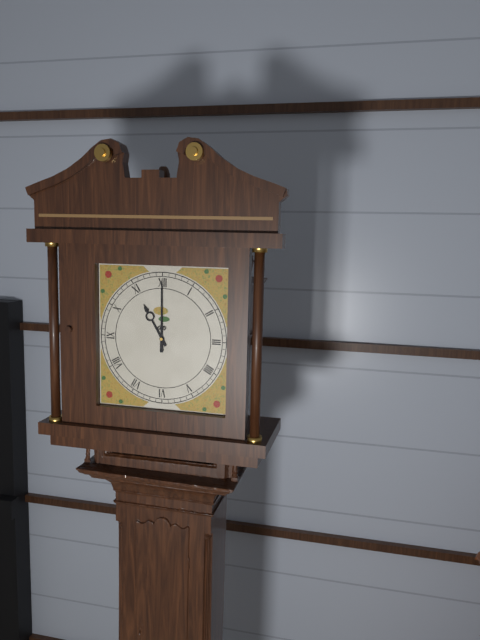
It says 11 h 00 min
